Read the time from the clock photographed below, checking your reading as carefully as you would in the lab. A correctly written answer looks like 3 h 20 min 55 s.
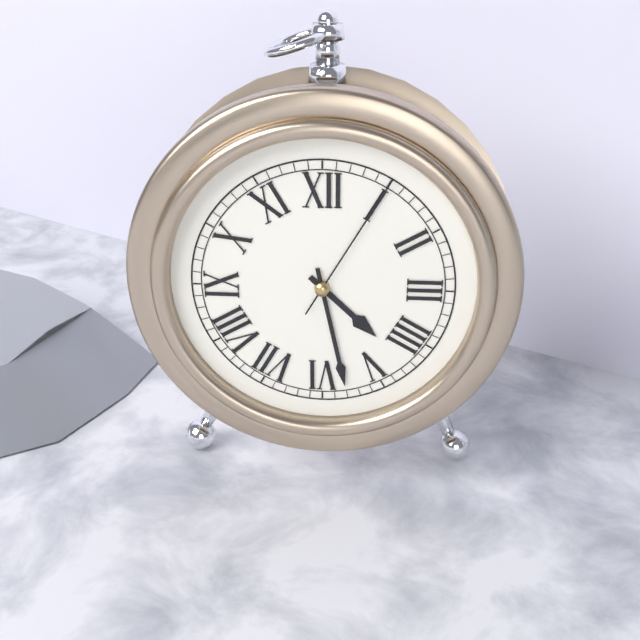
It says 4 h 28 min 05 s
